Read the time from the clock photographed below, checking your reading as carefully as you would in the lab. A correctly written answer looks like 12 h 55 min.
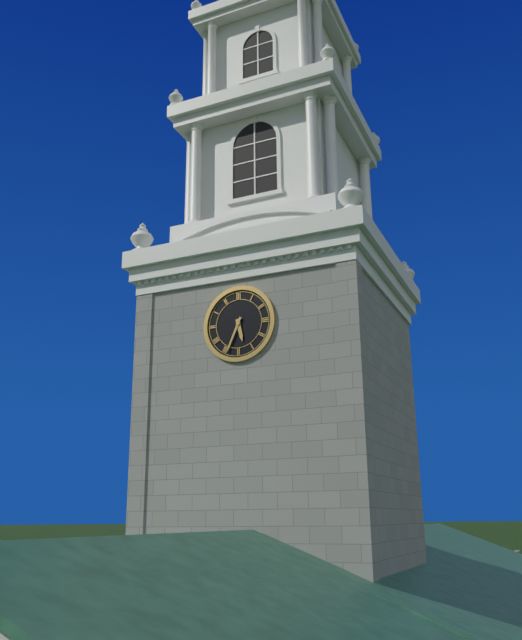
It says 5 h 34 min
